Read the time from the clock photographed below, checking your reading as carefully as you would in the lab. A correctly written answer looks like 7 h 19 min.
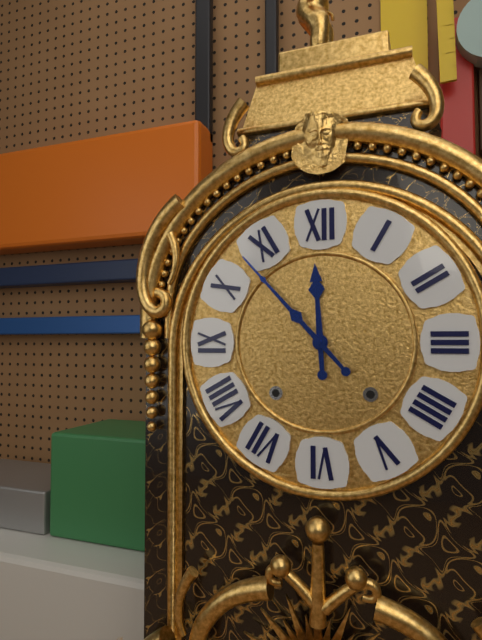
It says 11 h 53 min
